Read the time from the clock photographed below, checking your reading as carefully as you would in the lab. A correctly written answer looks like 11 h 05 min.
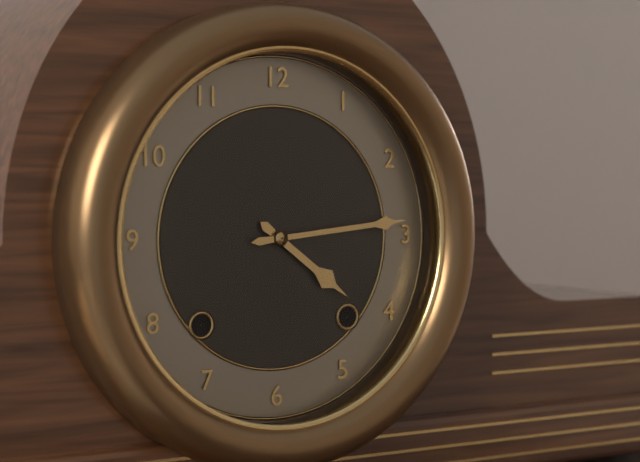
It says 4 h 14 min
